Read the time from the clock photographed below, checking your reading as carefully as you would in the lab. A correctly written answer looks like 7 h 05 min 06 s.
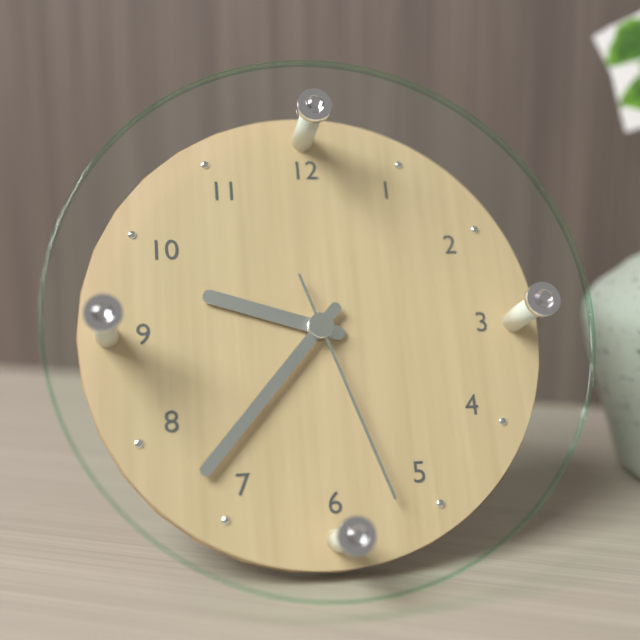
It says 9 h 37 min 27 s
